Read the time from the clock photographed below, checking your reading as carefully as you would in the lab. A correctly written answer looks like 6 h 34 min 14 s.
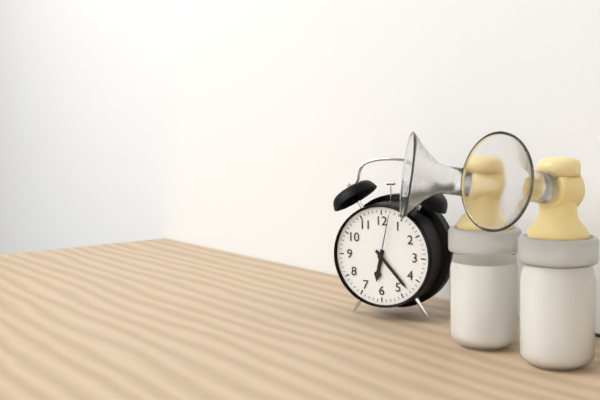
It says 6 h 23 min 02 s
